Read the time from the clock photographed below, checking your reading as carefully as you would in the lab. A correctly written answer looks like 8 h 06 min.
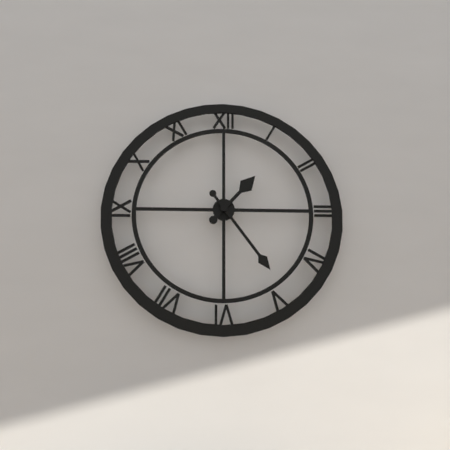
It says 1 h 24 min
